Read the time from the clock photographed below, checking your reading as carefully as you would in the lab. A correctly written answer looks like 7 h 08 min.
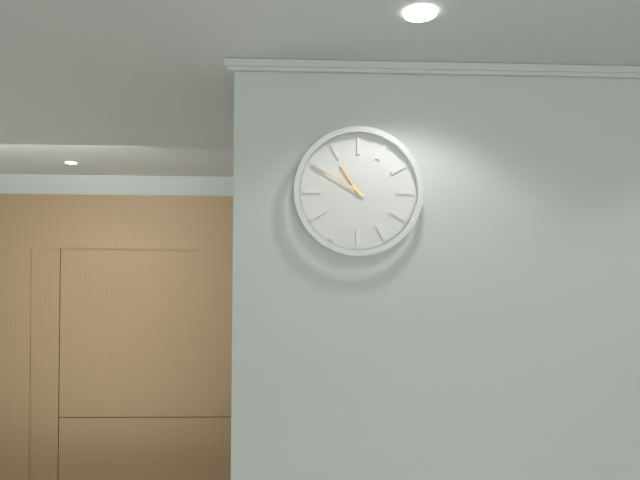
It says 10 h 50 min
